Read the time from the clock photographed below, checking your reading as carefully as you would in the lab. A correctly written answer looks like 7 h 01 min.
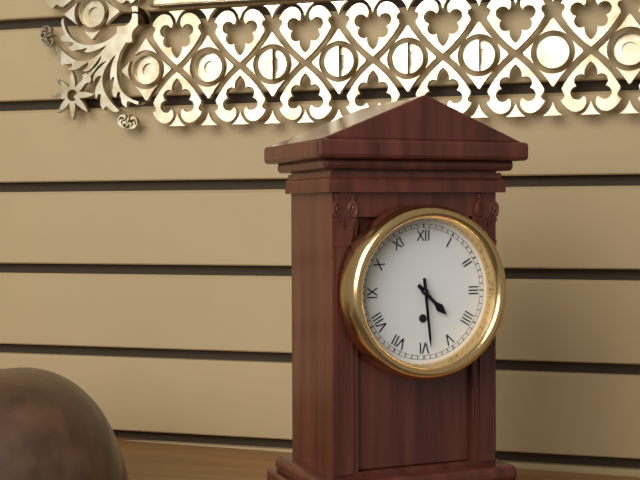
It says 4 h 29 min
